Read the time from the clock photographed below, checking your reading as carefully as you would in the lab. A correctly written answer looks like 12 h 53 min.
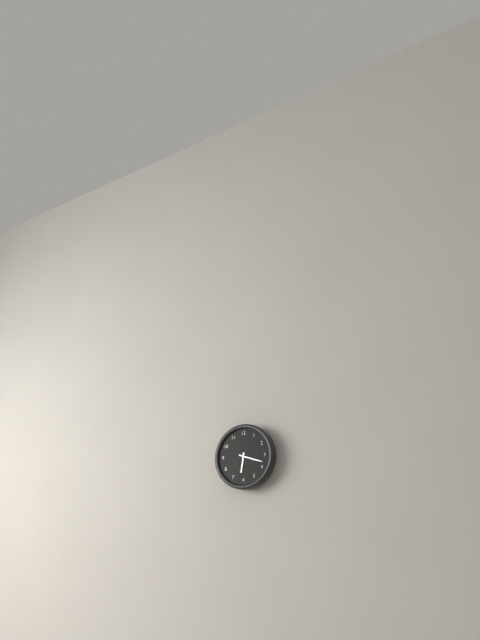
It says 6 h 18 min
